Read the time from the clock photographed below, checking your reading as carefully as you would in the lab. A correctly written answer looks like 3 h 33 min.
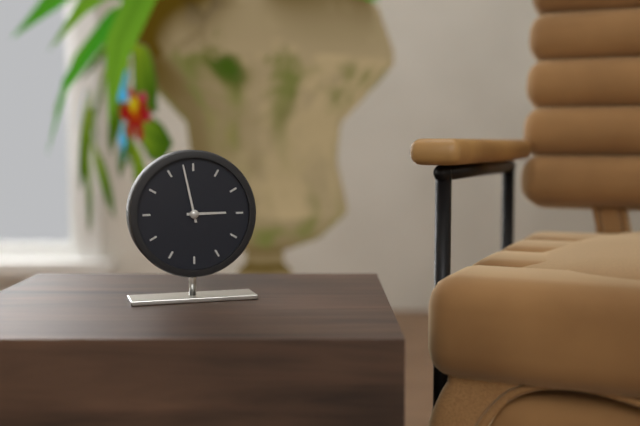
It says 2 h 58 min
